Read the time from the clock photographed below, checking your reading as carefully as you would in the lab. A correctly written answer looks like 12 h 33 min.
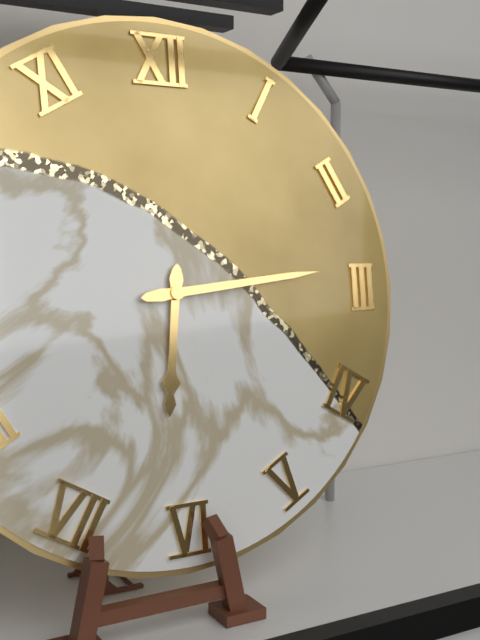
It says 6 h 14 min
